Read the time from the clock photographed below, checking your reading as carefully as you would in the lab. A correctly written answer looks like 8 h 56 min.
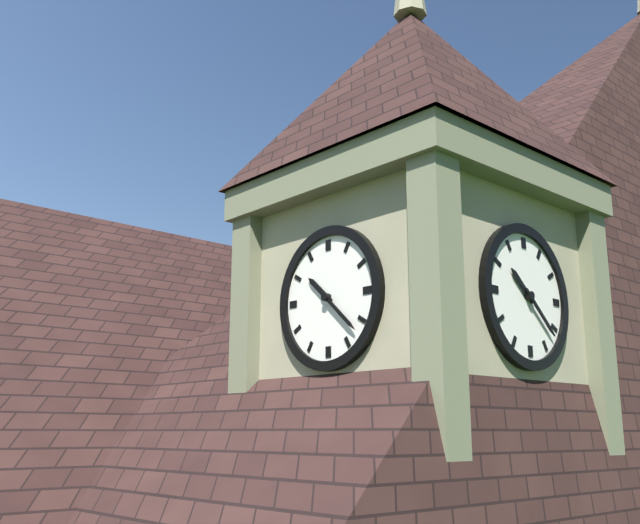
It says 10 h 22 min
